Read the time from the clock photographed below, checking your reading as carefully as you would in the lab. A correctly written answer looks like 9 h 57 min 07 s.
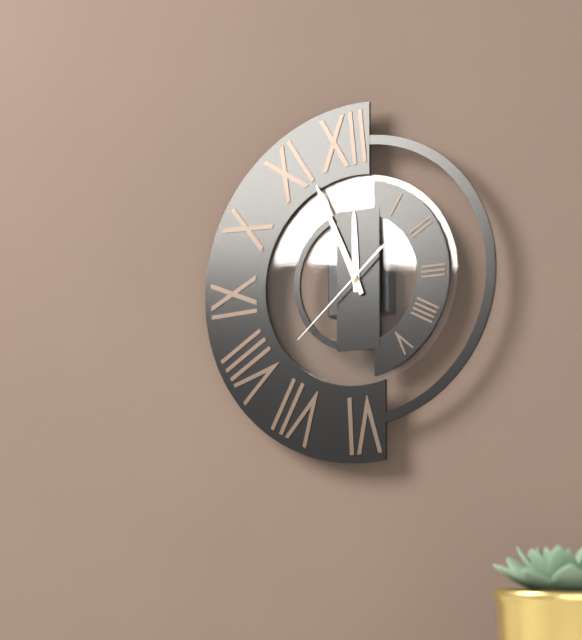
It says 11 h 56 min 38 s
